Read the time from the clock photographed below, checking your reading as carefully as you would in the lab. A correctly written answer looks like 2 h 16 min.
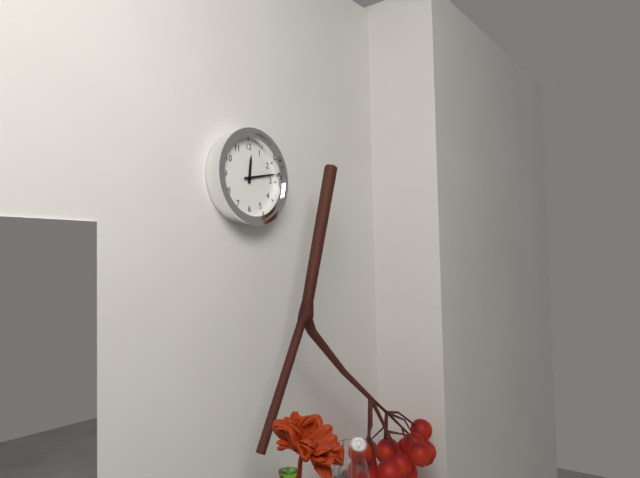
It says 12 h 13 min
